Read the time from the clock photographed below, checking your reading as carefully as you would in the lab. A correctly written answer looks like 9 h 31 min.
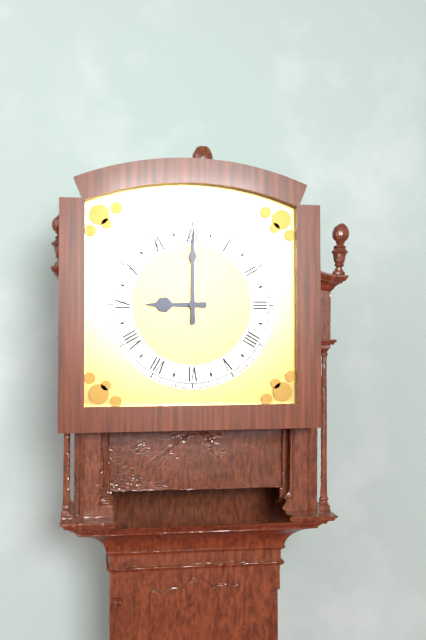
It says 9 h 00 min
